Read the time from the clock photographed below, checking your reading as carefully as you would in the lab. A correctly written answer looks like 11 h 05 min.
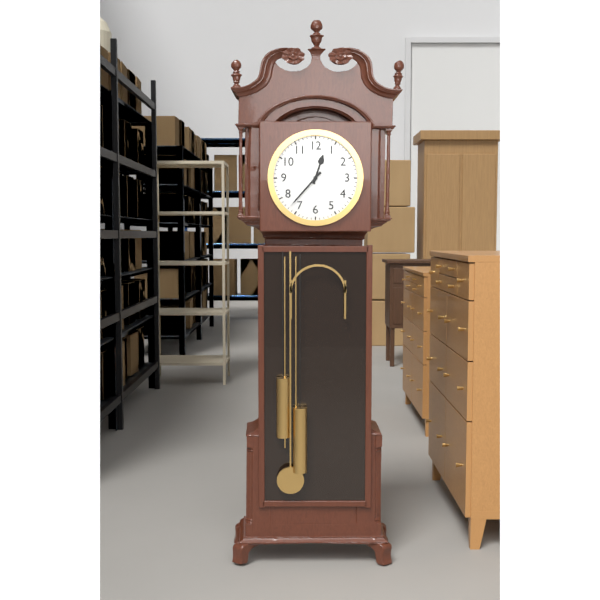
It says 12 h 37 min
